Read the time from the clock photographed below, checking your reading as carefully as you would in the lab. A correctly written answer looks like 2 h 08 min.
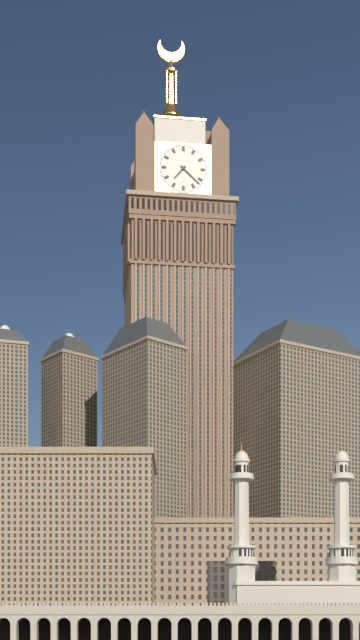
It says 7 h 22 min
